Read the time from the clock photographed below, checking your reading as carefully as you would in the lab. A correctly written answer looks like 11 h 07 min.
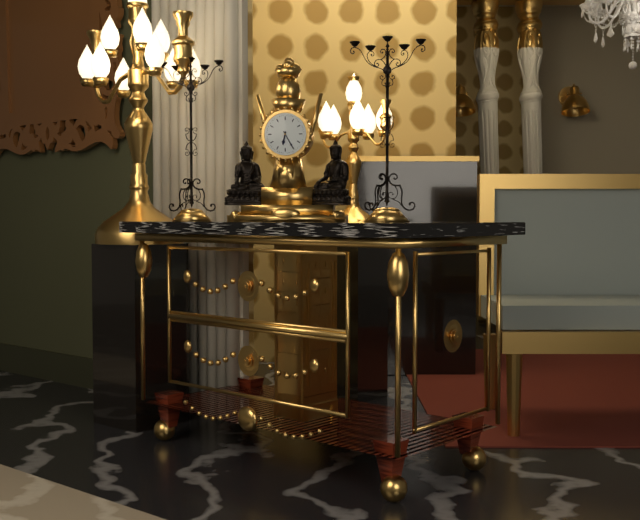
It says 6 h 25 min
